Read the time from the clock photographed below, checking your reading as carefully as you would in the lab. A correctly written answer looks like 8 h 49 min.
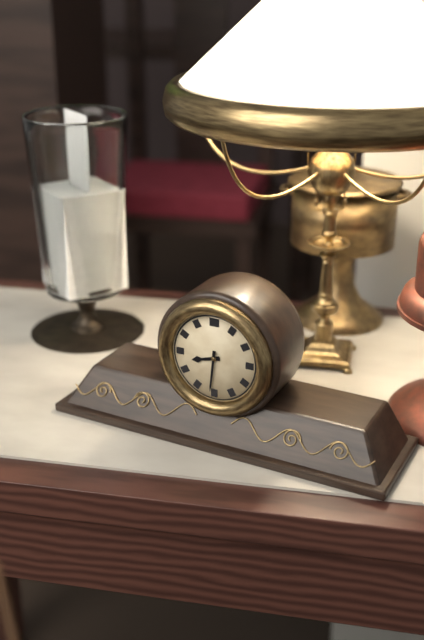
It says 8 h 31 min
